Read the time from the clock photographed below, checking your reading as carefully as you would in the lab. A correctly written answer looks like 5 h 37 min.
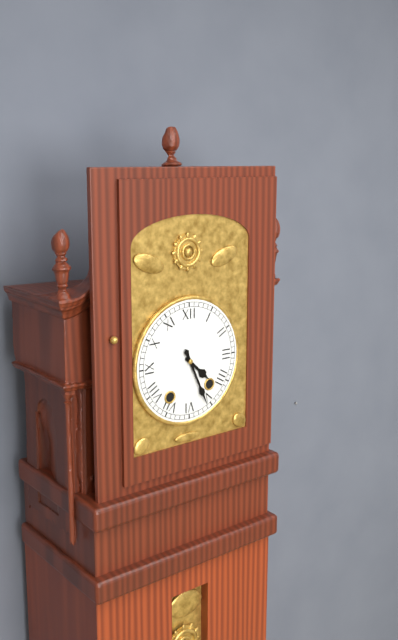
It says 4 h 26 min
